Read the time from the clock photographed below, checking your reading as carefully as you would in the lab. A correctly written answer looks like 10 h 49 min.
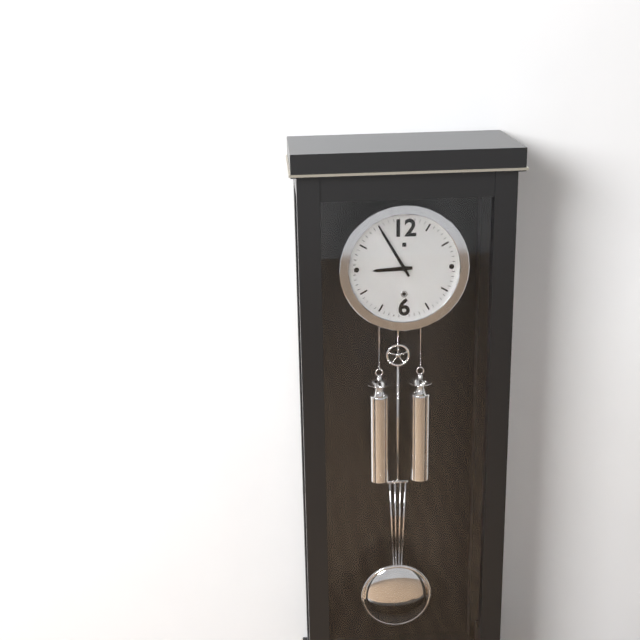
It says 8 h 55 min
